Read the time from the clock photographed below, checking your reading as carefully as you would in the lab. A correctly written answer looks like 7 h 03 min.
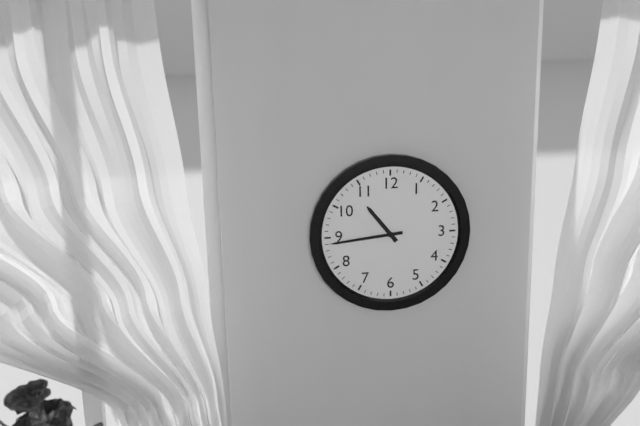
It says 10 h 44 min
